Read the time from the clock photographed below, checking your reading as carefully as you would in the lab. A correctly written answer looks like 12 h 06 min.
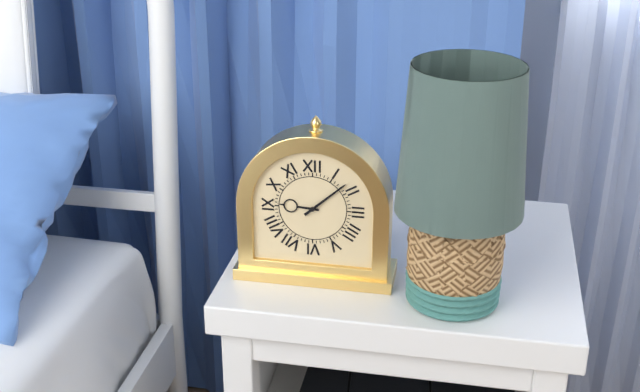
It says 9 h 08 min
